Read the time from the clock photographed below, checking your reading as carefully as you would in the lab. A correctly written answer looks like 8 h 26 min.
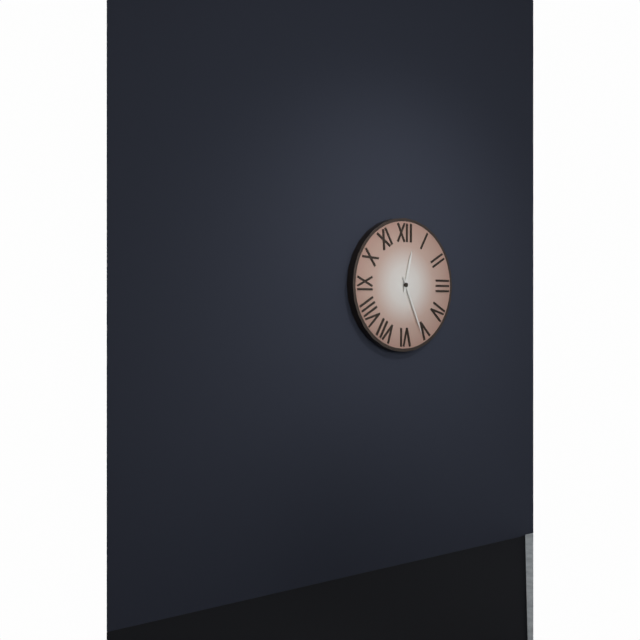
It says 12 h 26 min
